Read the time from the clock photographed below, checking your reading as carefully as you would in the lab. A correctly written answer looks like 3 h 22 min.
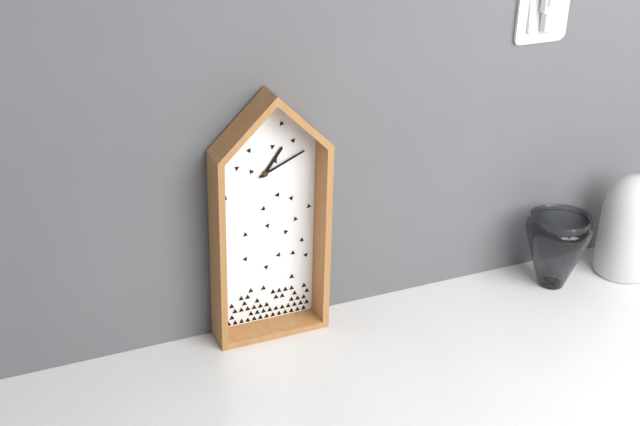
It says 1 h 11 min
